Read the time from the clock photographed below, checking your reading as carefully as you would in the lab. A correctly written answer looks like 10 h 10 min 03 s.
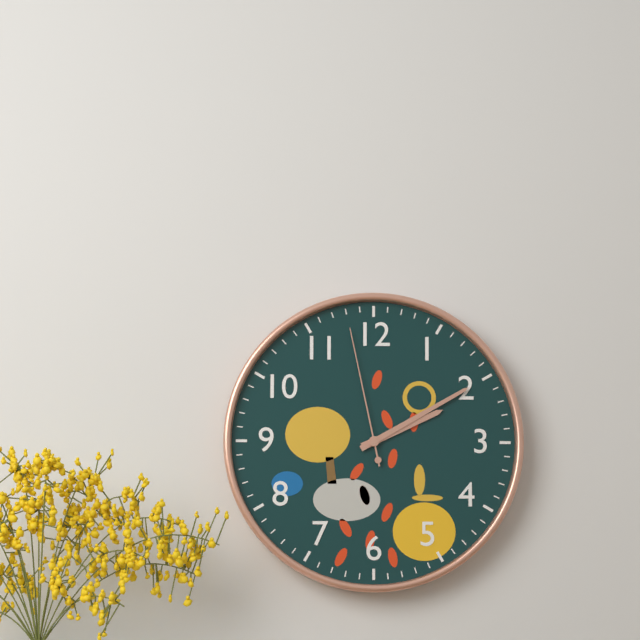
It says 2 h 10 min 58 s
